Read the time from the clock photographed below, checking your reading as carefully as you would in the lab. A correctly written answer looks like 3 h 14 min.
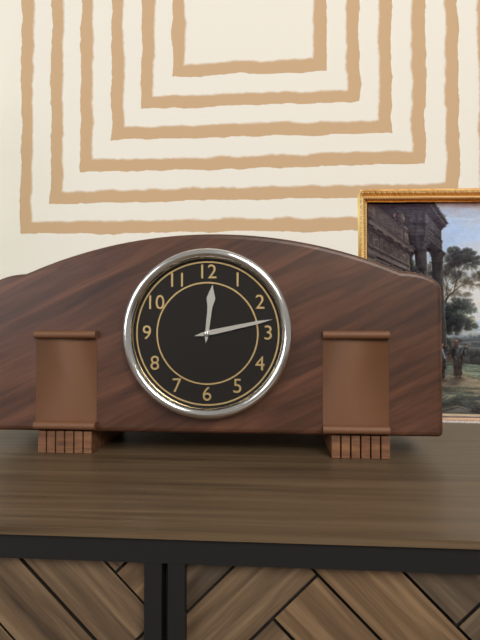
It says 12 h 13 min
